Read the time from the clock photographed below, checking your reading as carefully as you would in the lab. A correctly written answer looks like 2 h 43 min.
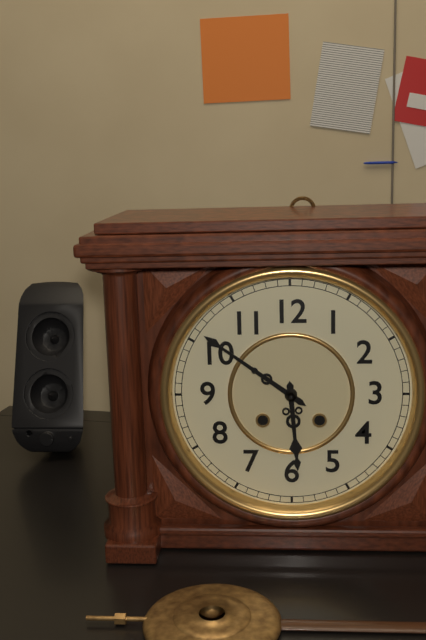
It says 5 h 51 min
